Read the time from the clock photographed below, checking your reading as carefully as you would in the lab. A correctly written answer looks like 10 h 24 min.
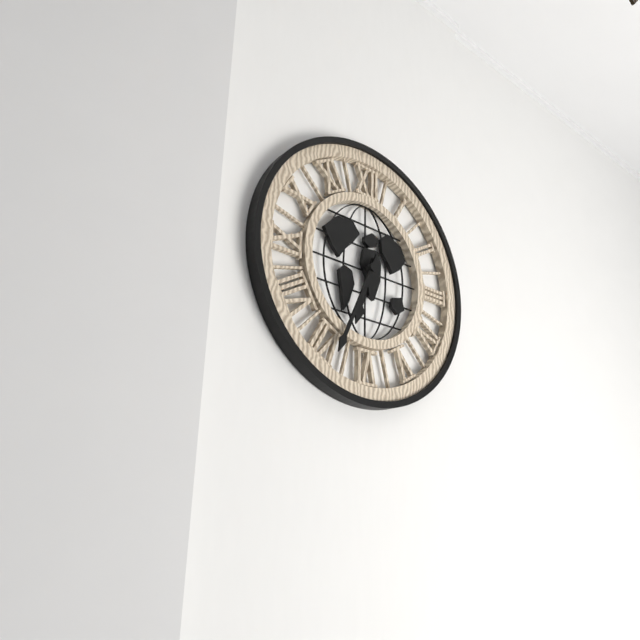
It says 6 h 34 min
